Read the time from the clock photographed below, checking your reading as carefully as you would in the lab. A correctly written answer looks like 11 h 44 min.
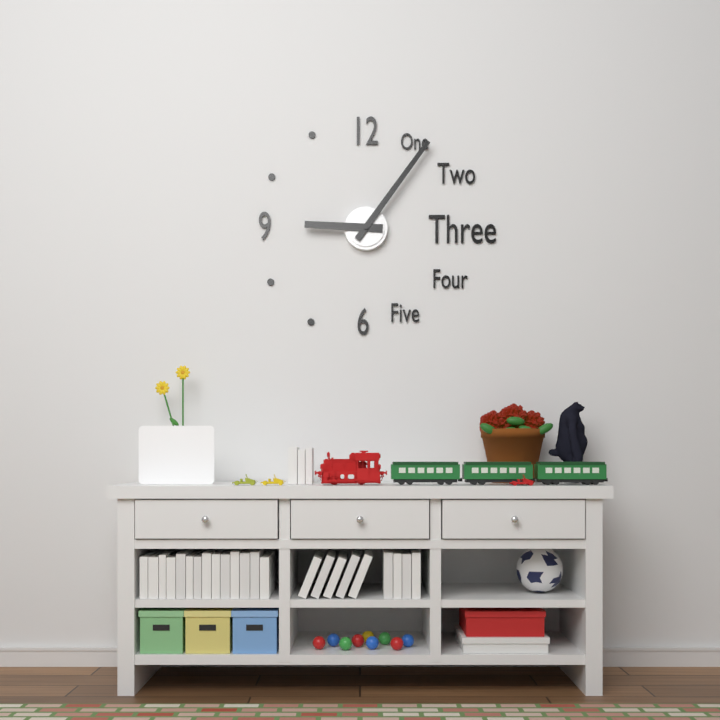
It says 9 h 06 min
